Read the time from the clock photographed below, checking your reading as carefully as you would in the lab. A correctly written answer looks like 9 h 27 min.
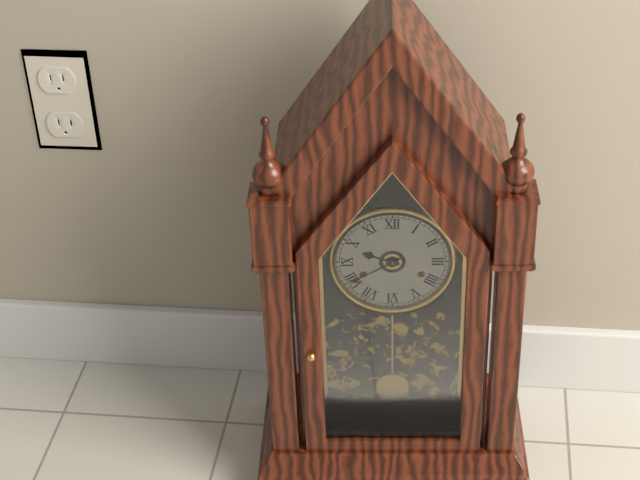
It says 9 h 40 min
